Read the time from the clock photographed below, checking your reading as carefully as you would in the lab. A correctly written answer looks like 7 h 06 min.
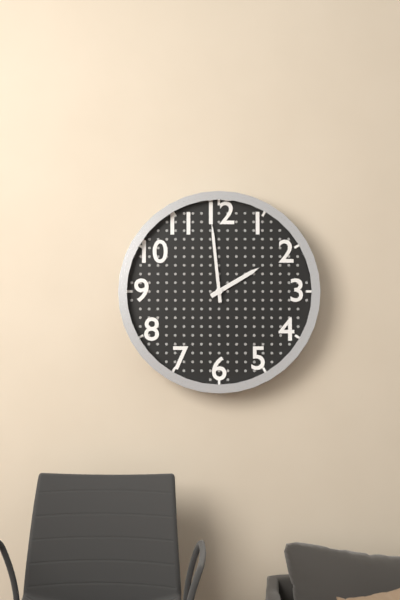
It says 1 h 59 min
